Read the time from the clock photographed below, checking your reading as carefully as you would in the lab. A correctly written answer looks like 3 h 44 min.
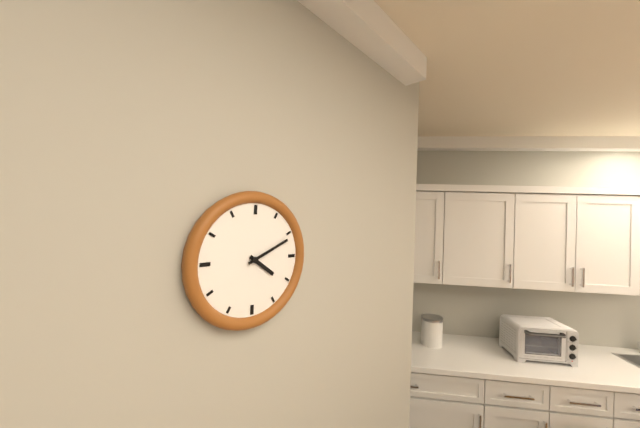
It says 4 h 11 min
